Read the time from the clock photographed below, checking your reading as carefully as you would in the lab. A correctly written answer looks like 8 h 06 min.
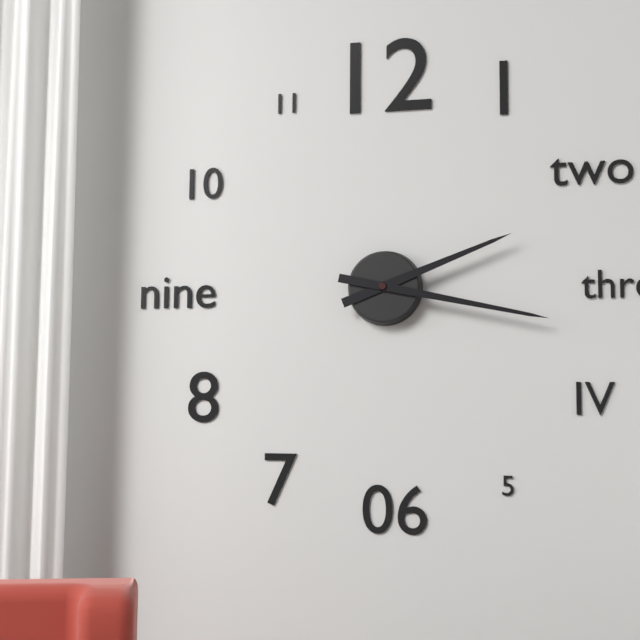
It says 2 h 17 min
